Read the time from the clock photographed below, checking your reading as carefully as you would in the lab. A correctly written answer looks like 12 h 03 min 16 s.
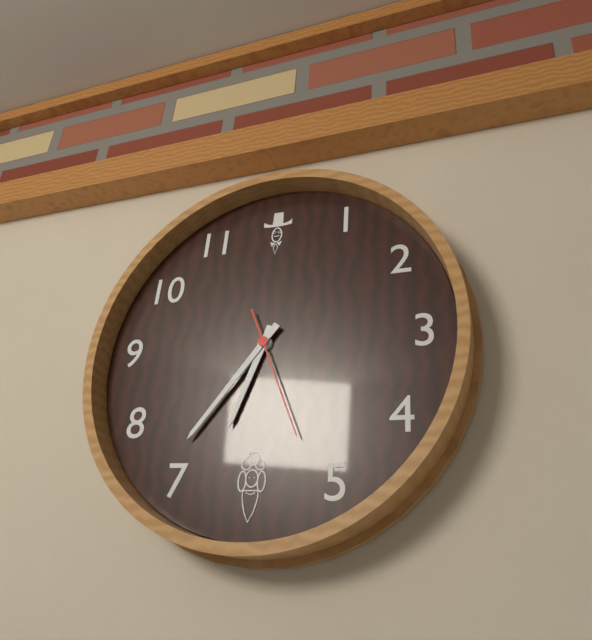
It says 6 h 36 min 26 s
